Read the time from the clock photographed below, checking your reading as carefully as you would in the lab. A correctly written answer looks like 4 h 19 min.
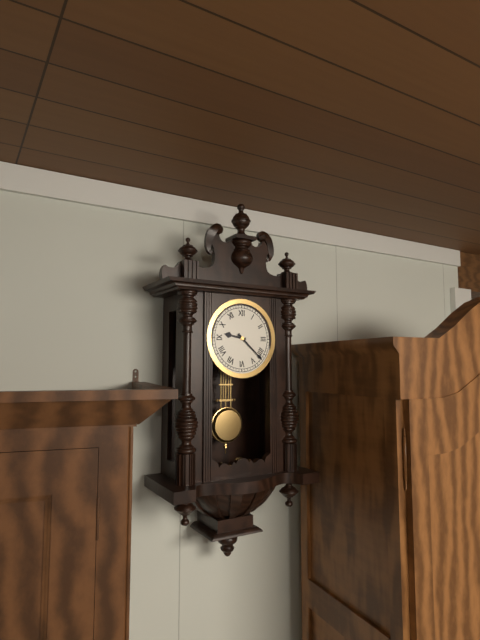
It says 9 h 22 min
